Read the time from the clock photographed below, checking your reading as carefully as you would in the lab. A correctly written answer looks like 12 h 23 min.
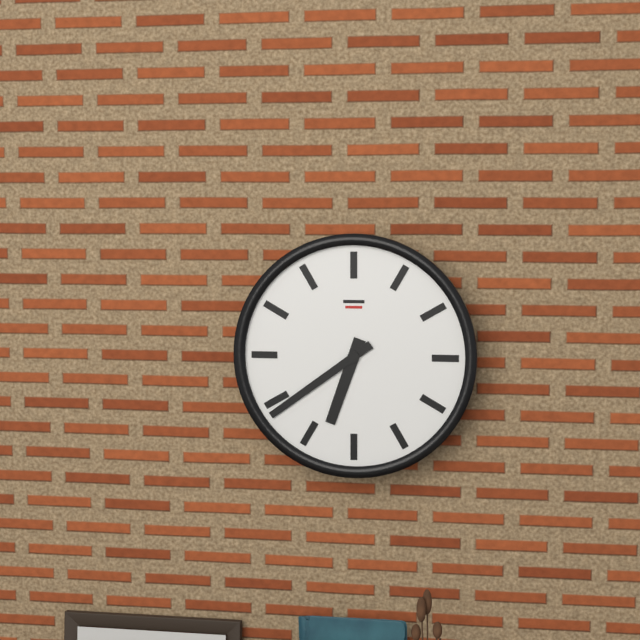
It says 6 h 39 min
